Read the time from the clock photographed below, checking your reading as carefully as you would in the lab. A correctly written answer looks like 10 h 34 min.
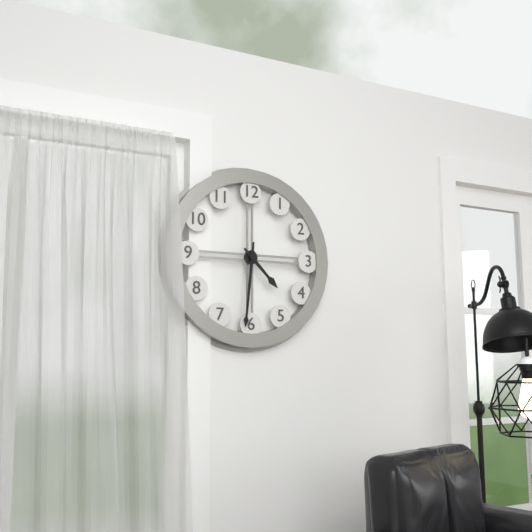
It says 4 h 31 min
